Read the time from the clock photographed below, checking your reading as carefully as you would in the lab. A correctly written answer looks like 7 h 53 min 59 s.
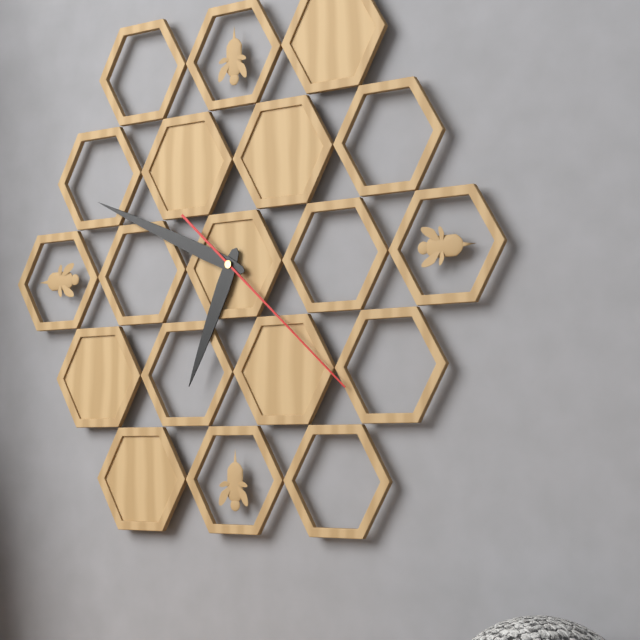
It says 6 h 49 min 22 s
